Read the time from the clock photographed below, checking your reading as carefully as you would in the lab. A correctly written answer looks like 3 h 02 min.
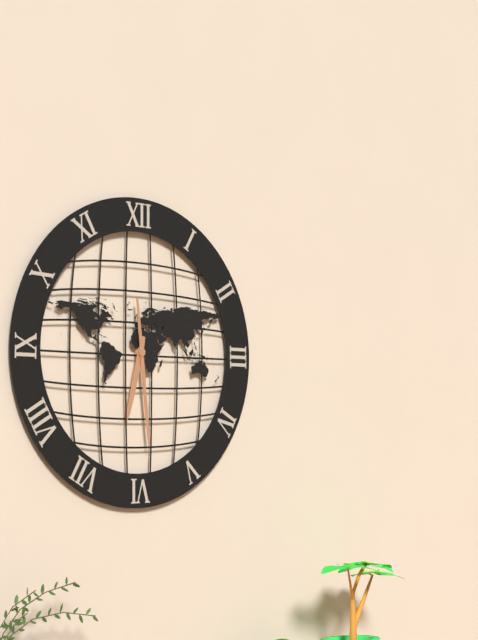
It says 6 h 29 min
